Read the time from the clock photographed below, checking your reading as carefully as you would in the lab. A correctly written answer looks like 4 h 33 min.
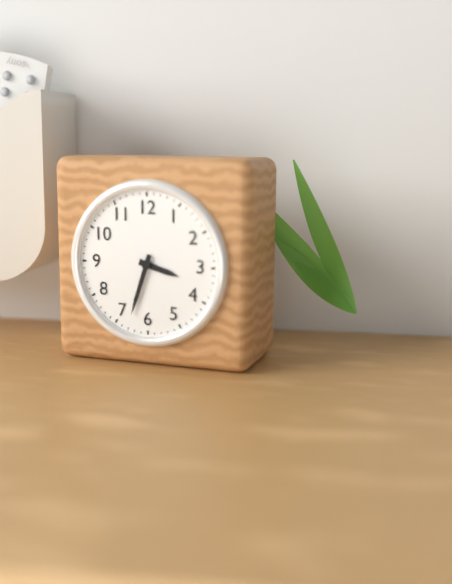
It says 3 h 33 min
